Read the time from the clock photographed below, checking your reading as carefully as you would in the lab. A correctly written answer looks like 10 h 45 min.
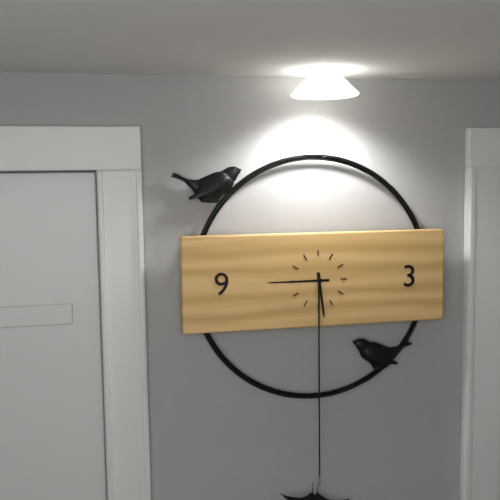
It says 5 h 45 min
